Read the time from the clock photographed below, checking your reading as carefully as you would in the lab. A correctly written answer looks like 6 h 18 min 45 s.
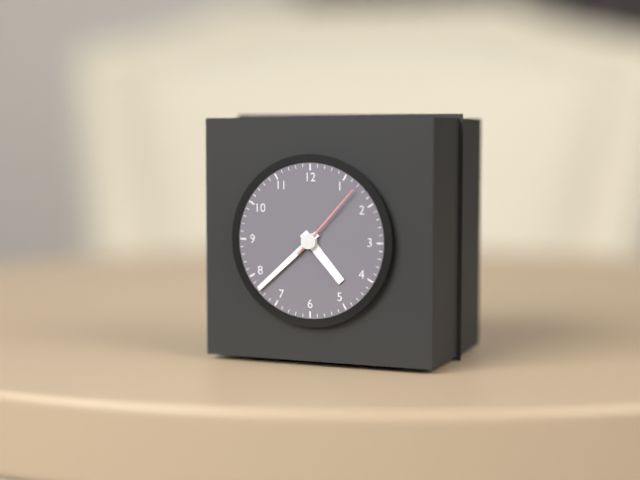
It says 4 h 38 min 07 s
